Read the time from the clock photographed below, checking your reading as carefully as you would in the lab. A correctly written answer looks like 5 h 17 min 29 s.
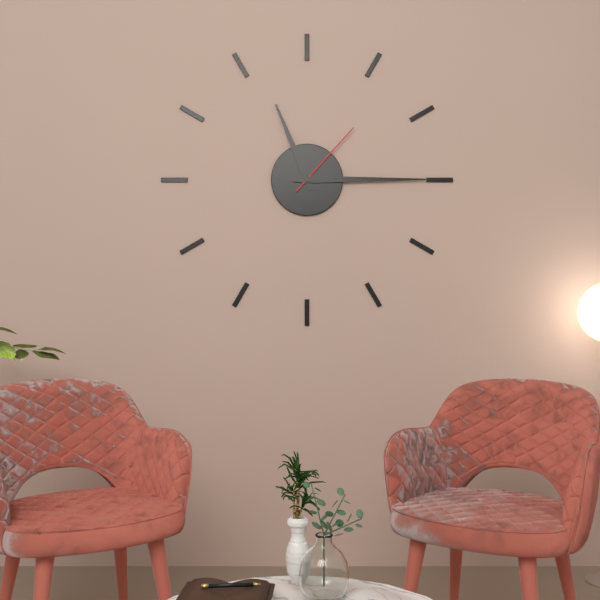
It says 11 h 15 min 07 s
